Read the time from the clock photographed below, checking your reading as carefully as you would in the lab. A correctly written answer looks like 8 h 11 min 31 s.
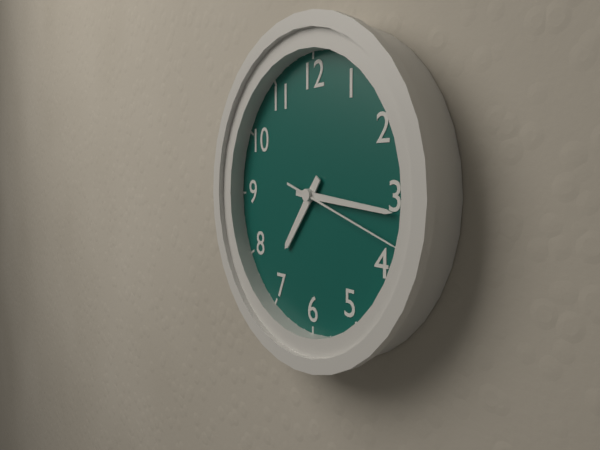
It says 7 h 16 min 18 s
